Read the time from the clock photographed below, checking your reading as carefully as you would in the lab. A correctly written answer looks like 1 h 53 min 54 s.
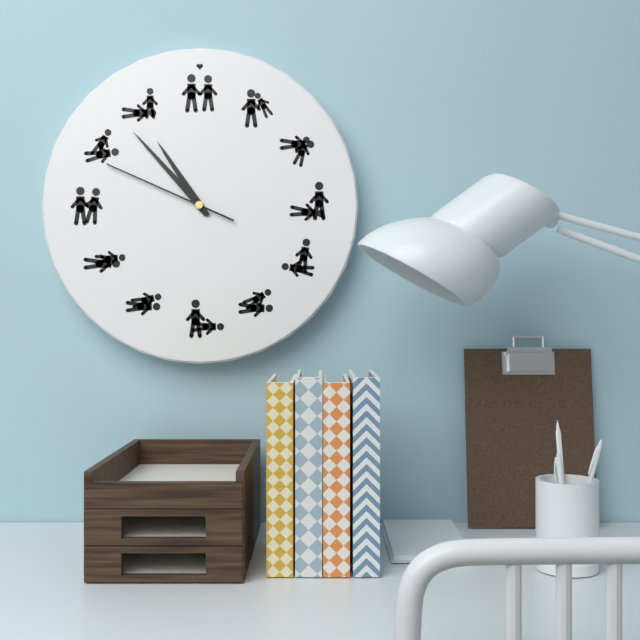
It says 10 h 53 min 49 s
